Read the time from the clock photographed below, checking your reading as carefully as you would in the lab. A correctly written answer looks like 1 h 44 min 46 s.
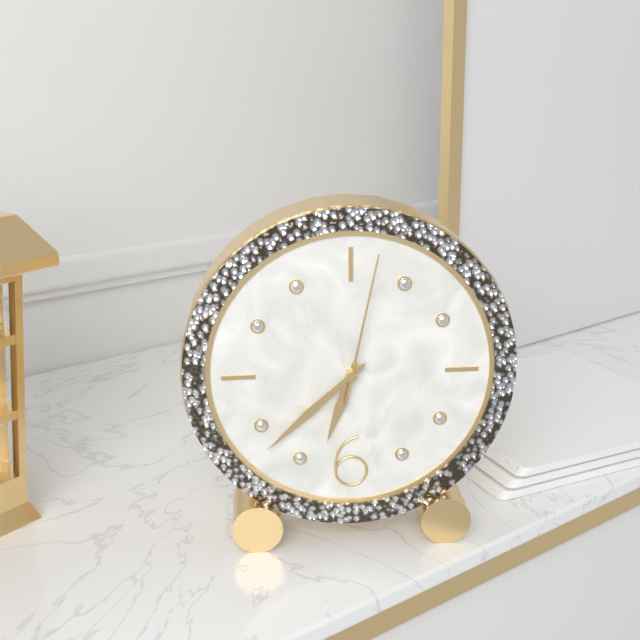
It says 6 h 38 min 02 s
